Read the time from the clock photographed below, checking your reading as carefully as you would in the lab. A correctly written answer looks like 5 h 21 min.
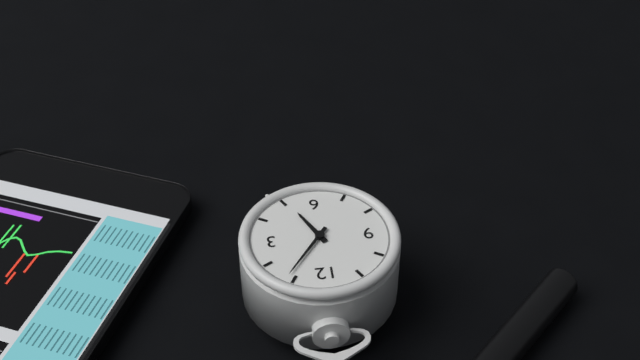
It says 5 h 06 min
